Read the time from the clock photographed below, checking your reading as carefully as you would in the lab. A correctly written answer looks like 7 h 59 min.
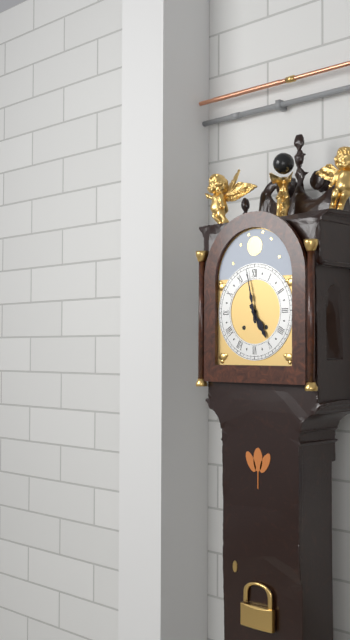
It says 4 h 58 min
